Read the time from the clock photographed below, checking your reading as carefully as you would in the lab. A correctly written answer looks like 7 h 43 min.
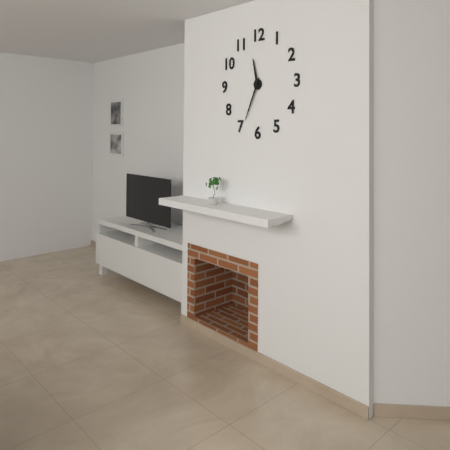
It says 11 h 34 min
